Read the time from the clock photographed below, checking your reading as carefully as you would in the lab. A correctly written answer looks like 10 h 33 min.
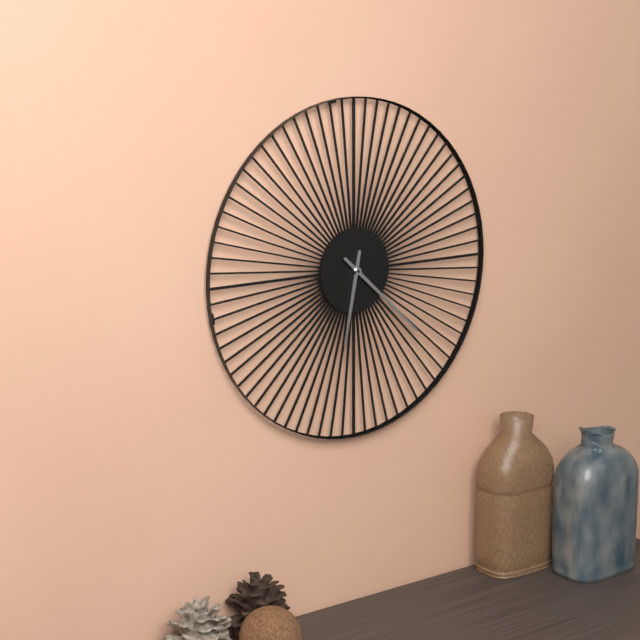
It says 6 h 22 min
